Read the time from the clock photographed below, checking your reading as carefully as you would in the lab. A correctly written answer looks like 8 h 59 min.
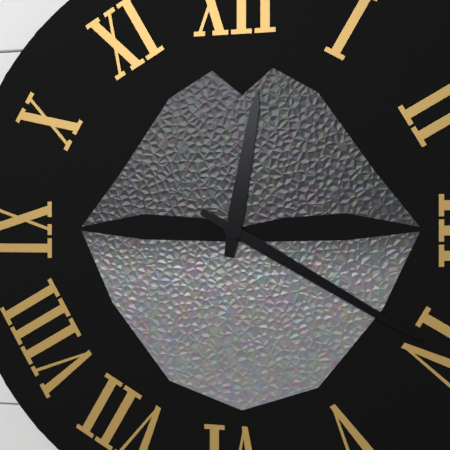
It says 12 h 20 min
